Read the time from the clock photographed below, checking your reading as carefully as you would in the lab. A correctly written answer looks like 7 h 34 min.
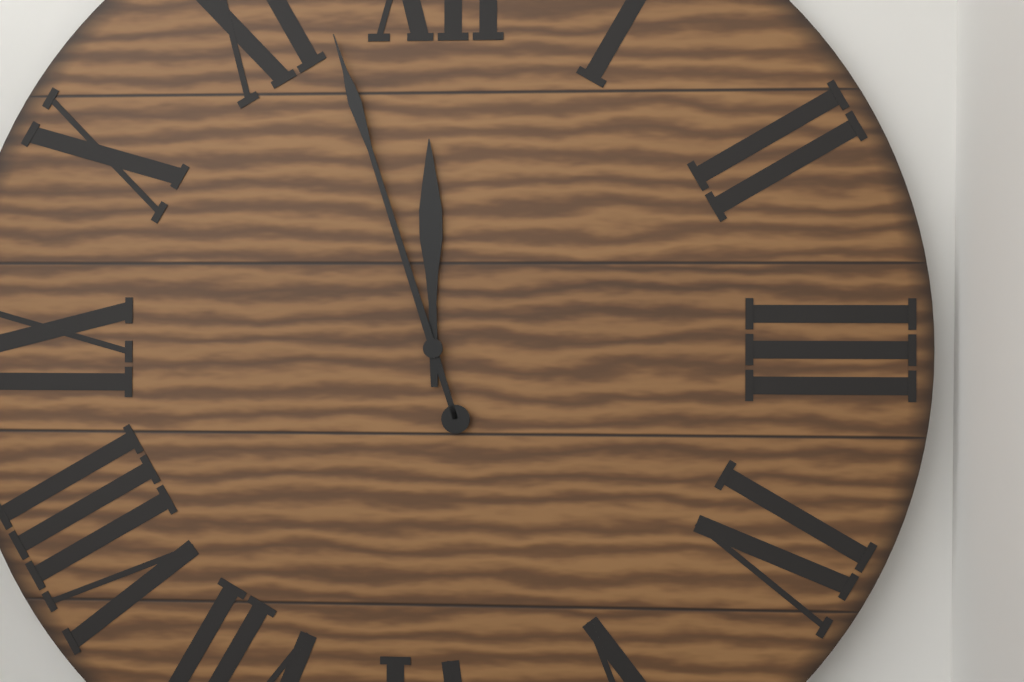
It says 11 h 57 min
